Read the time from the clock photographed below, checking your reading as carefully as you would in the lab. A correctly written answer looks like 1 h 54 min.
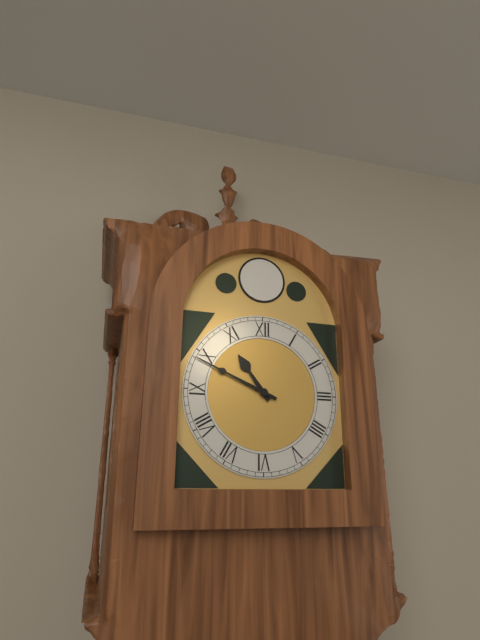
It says 10 h 49 min
